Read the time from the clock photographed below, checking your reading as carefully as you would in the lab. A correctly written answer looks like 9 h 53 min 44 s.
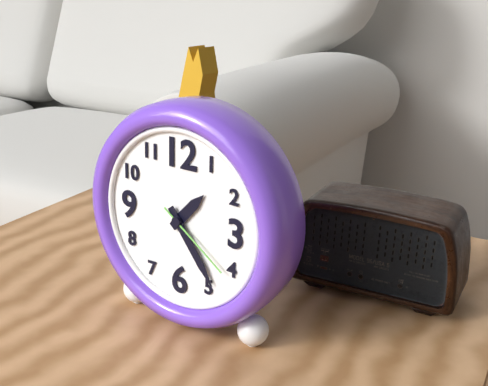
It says 1 h 24 min 21 s
